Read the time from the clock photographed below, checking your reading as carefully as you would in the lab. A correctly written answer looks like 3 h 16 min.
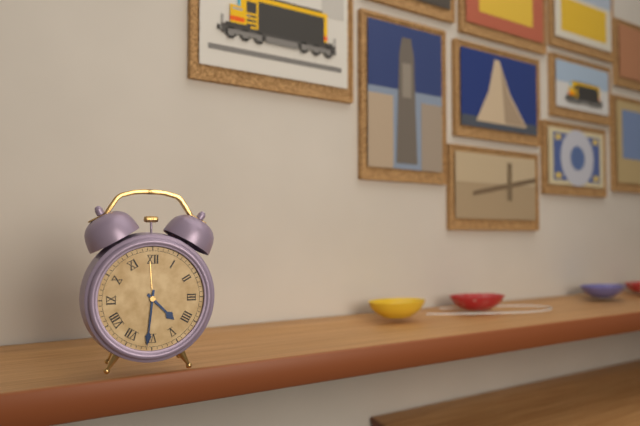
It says 4 h 31 min
